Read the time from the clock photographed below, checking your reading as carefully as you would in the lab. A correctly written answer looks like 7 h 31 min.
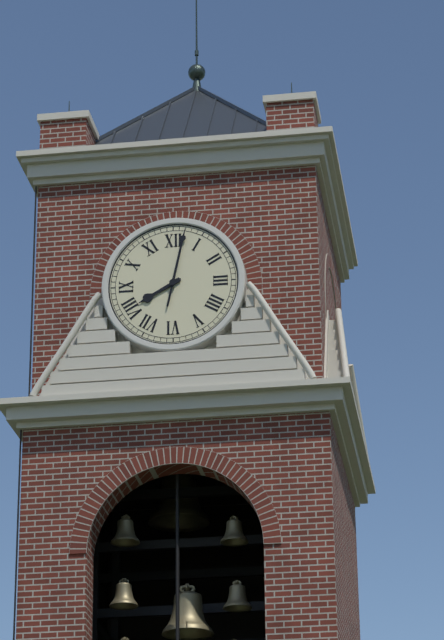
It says 8 h 02 min
